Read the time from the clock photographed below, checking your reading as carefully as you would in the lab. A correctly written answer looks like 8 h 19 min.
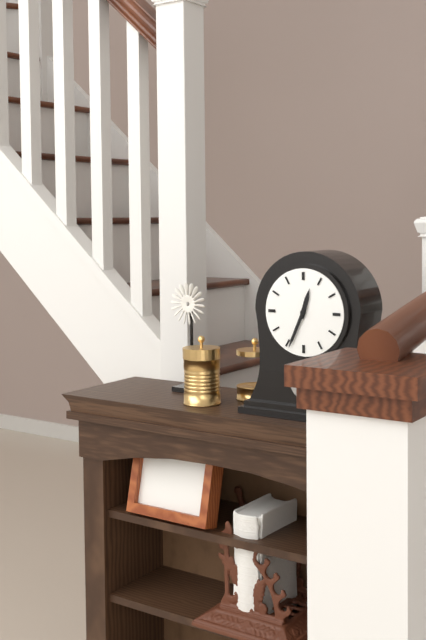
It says 12 h 34 min
